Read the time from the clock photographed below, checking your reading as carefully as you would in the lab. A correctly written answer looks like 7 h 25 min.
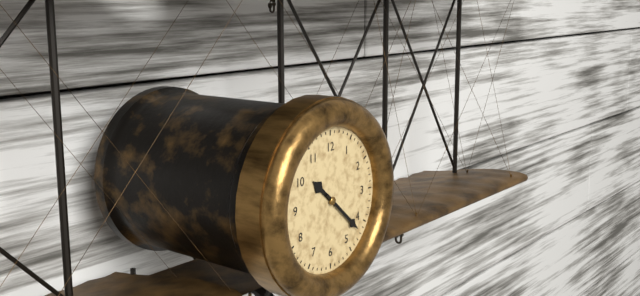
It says 10 h 22 min
